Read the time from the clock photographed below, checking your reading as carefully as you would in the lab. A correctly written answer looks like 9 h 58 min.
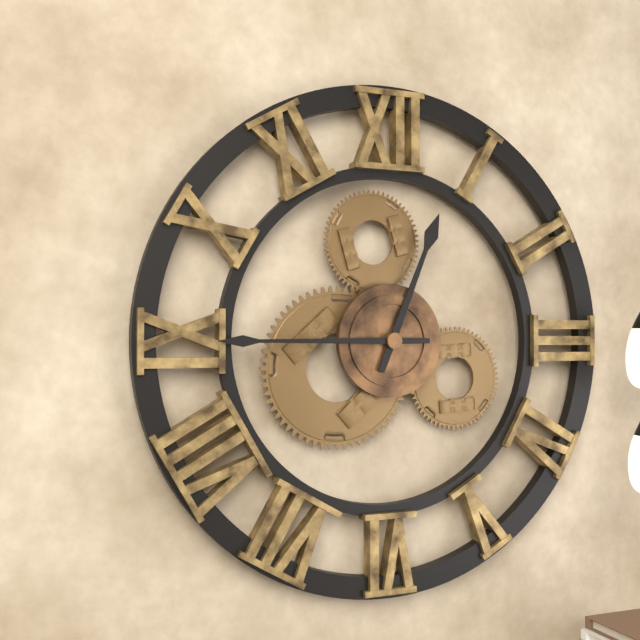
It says 12 h 45 min
